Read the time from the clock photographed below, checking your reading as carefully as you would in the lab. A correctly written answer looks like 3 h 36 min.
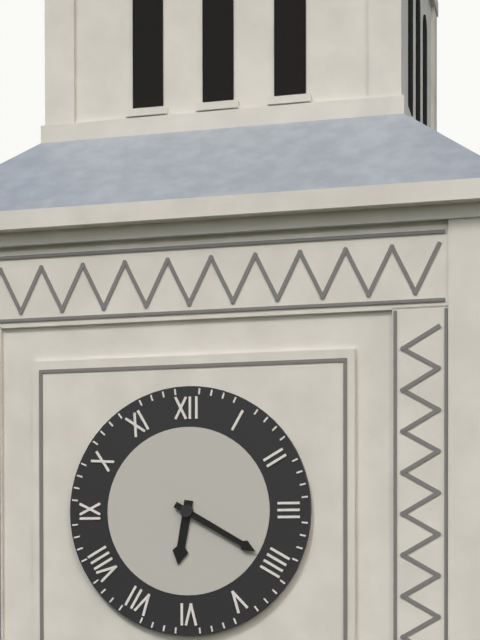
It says 6 h 20 min
